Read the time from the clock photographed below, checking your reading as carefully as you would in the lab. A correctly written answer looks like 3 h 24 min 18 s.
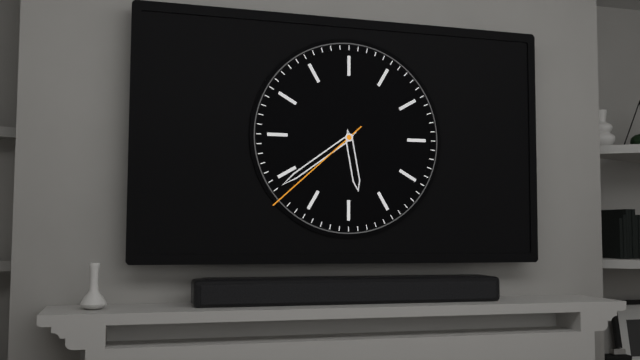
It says 5 h 39 min 38 s
